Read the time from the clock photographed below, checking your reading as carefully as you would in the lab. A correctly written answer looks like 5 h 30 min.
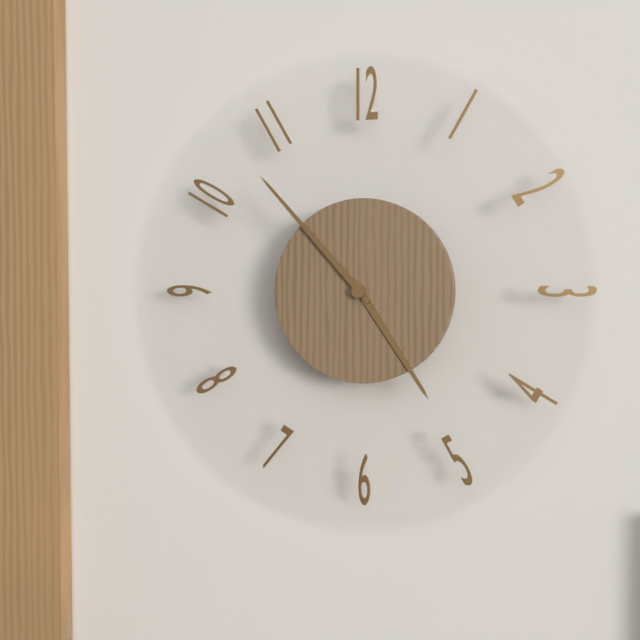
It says 4 h 53 min
